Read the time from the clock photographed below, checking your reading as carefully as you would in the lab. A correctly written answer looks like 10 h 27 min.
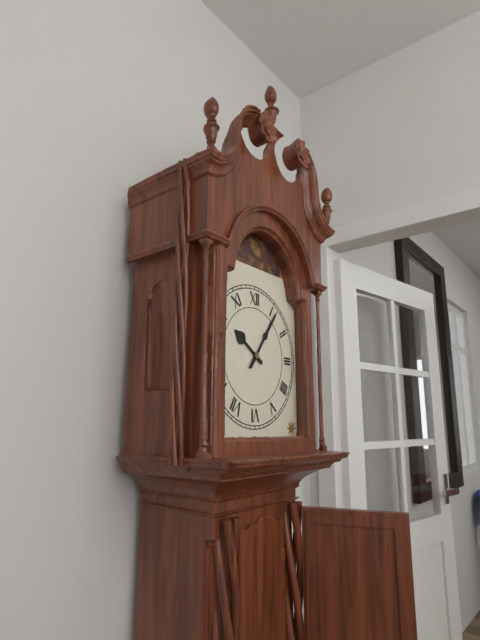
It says 10 h 06 min
